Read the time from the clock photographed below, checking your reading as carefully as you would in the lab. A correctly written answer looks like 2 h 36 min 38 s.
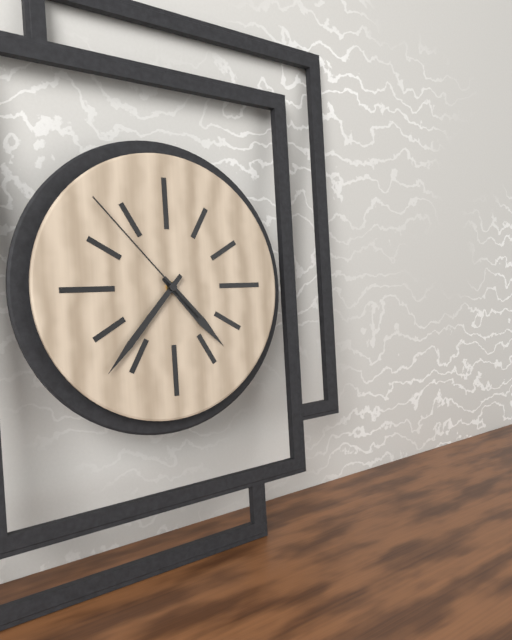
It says 4 h 37 min 53 s
